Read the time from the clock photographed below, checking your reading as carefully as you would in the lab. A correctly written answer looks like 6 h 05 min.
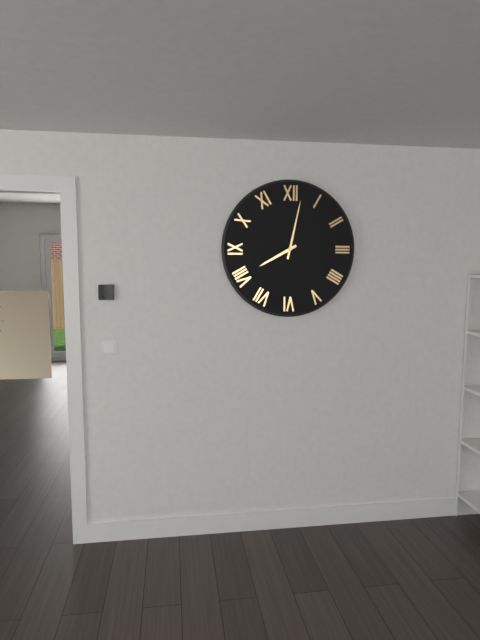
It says 8 h 02 min
